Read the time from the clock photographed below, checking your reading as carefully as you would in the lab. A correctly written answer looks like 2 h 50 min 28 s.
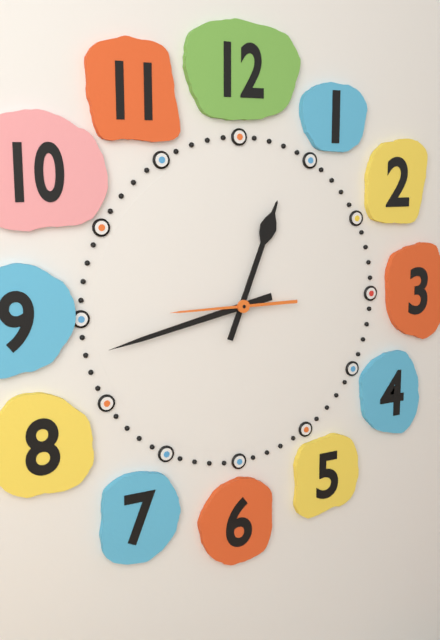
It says 12 h 43 min 45 s
